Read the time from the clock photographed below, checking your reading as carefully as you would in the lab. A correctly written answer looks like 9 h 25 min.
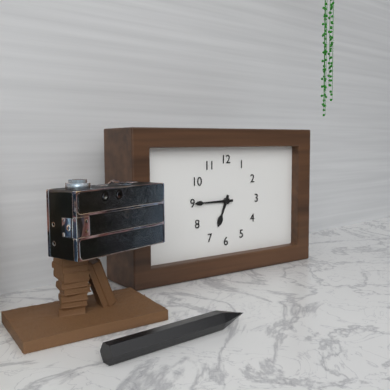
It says 6 h 45 min
